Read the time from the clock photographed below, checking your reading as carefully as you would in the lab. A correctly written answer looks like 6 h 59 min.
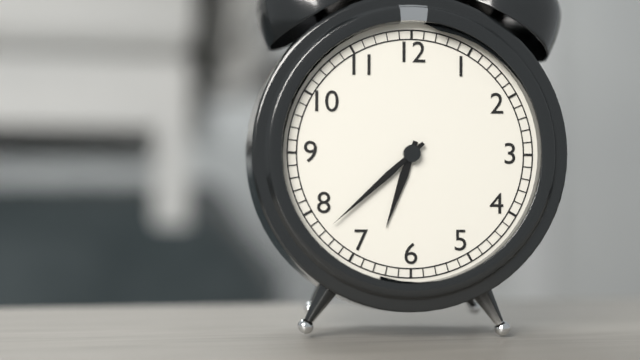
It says 6 h 38 min
